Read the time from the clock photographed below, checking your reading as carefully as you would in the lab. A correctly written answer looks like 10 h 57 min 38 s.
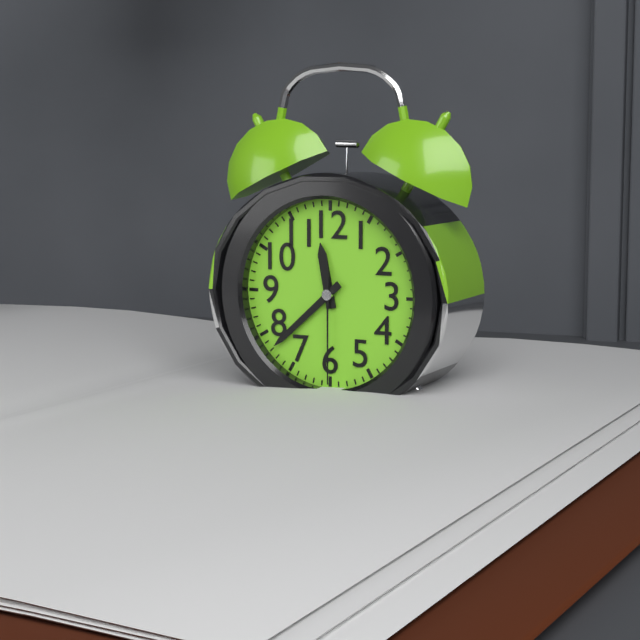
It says 11 h 38 min 30 s
